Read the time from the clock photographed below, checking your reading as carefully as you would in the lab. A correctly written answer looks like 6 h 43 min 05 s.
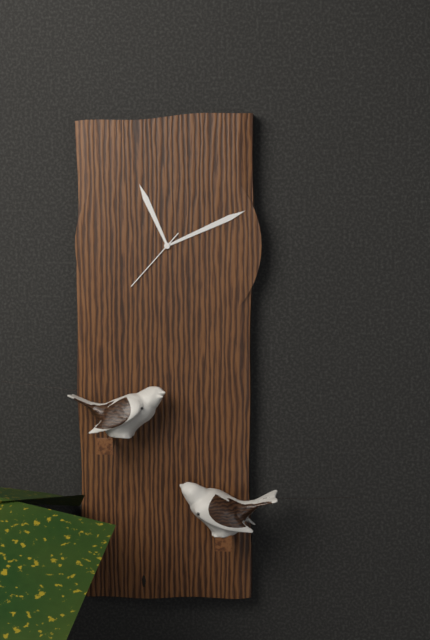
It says 11 h 11 min 37 s
